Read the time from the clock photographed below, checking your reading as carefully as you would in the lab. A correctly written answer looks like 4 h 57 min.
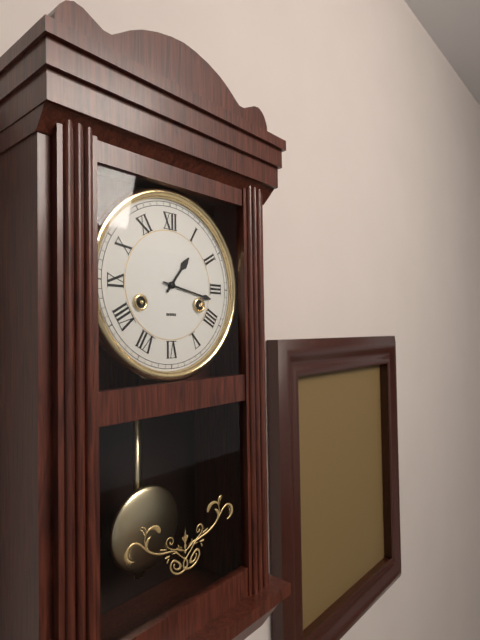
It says 1 h 17 min
